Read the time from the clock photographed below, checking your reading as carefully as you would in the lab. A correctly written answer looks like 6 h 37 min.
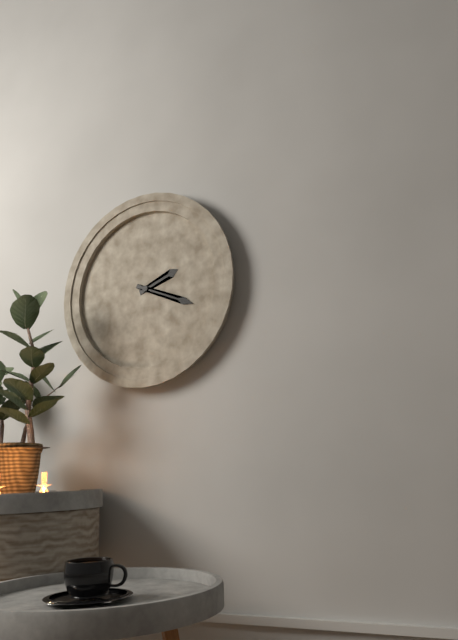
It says 2 h 19 min
